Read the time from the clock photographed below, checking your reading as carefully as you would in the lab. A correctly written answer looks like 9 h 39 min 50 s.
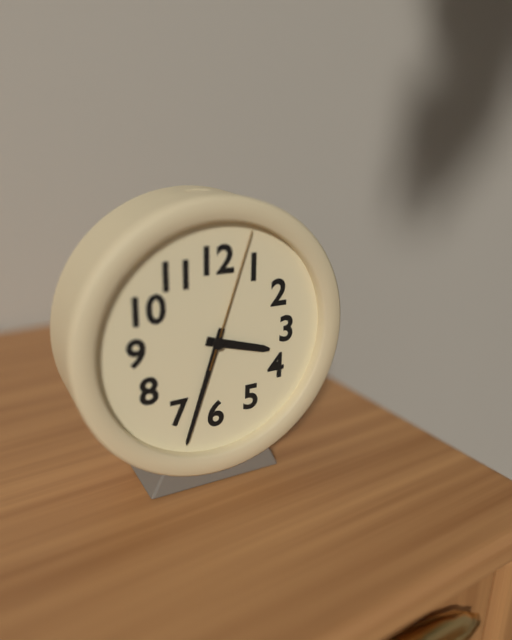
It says 3 h 33 min 03 s
